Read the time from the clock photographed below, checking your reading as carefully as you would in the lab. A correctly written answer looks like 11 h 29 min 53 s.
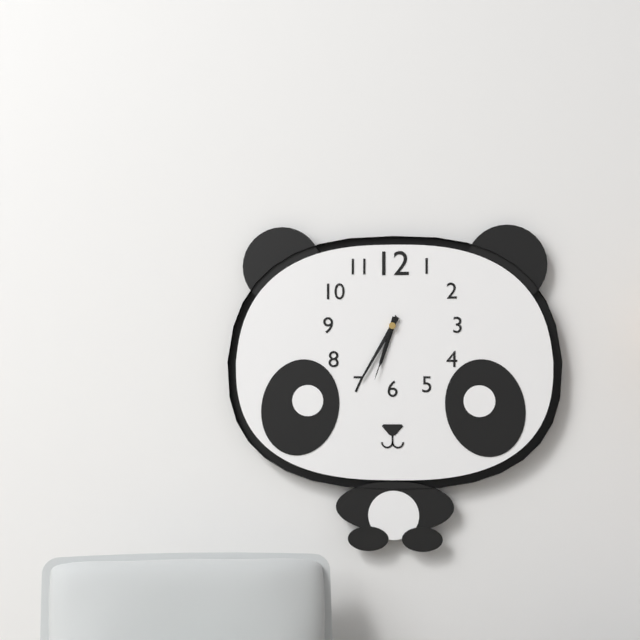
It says 6 h 35 min 33 s
